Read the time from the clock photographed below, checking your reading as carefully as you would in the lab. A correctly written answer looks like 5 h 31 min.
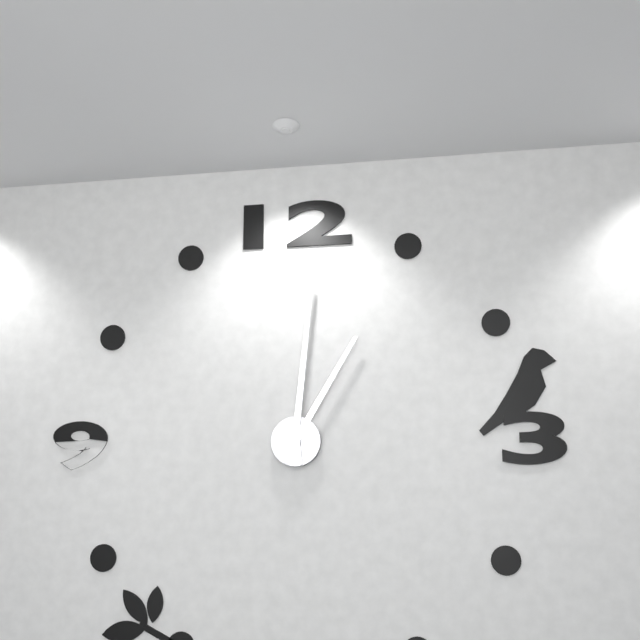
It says 1 h 01 min
